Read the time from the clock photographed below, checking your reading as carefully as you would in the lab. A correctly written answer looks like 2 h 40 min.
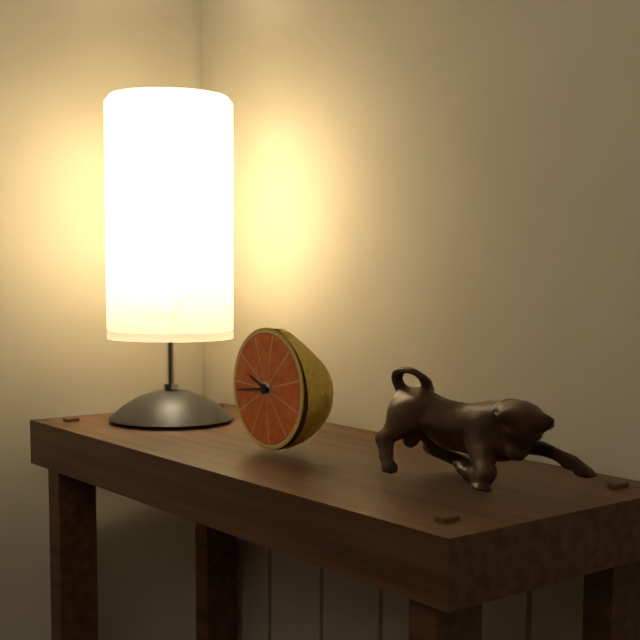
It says 9 h 44 min
